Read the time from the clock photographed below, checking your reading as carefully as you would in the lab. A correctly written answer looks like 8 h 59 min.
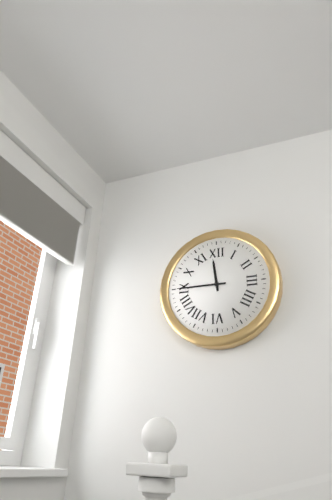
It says 11 h 45 min
